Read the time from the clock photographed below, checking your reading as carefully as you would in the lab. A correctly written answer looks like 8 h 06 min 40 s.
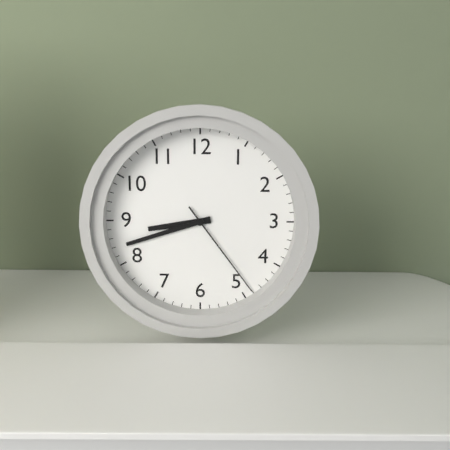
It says 8 h 42 min 24 s
